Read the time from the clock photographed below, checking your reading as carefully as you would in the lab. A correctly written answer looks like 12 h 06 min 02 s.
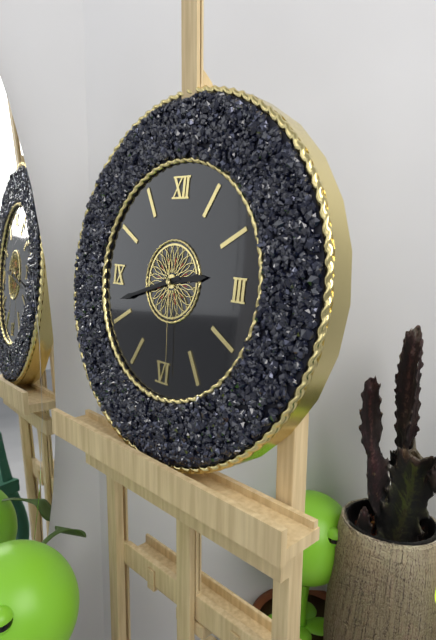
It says 2 h 42 min 29 s
